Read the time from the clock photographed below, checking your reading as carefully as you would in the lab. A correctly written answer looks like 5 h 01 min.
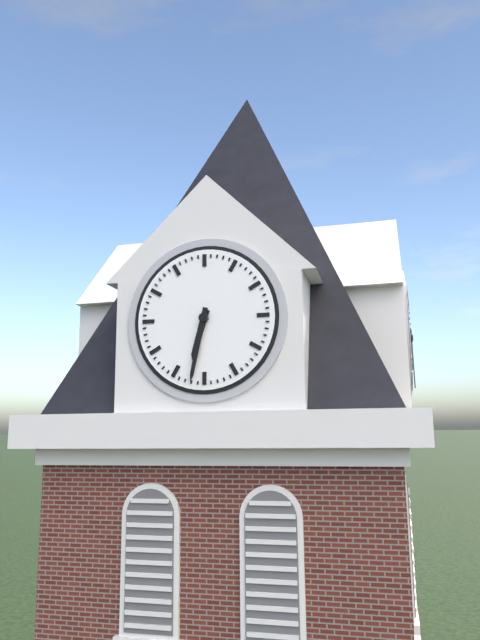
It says 6 h 32 min
